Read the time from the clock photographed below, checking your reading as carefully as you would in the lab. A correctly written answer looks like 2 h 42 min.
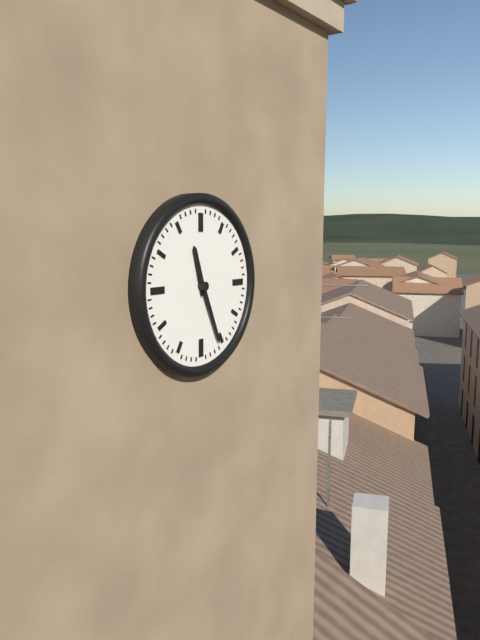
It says 11 h 26 min
